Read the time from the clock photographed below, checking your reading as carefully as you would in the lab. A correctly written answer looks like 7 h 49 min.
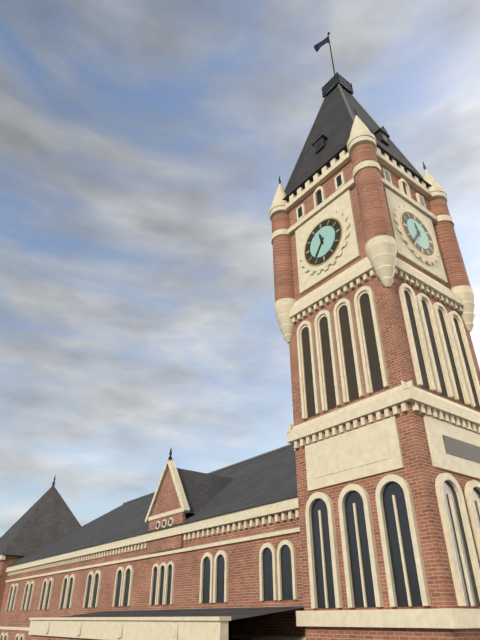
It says 11 h 36 min
